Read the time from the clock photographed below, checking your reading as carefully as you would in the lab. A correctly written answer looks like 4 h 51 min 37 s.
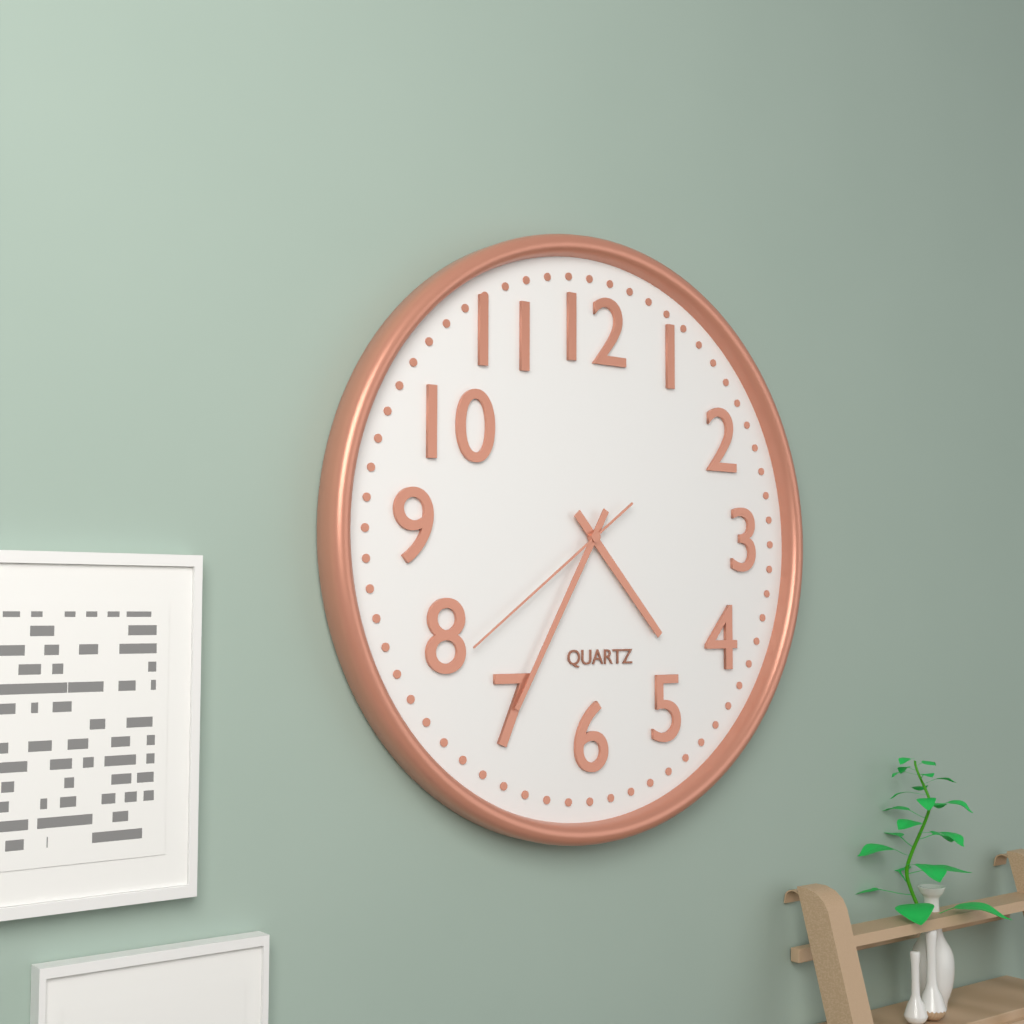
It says 4 h 35 min 39 s
